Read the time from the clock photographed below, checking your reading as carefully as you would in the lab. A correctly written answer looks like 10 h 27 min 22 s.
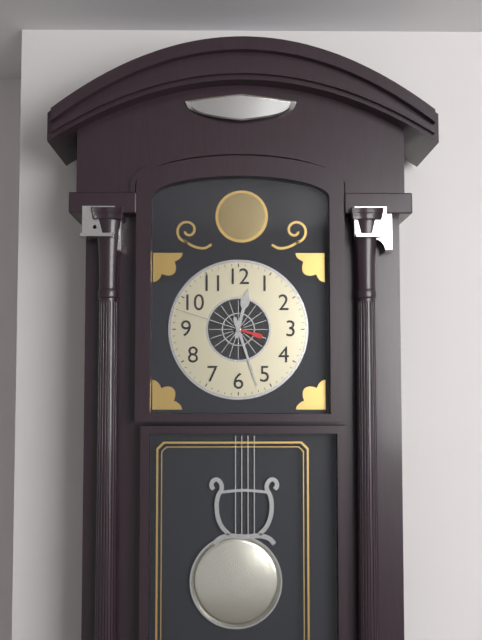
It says 12 h 27 min 48 s
